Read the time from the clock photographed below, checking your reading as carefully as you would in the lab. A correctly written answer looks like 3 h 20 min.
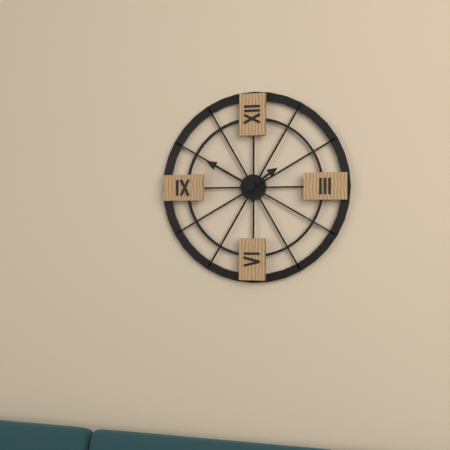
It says 1 h 50 min
